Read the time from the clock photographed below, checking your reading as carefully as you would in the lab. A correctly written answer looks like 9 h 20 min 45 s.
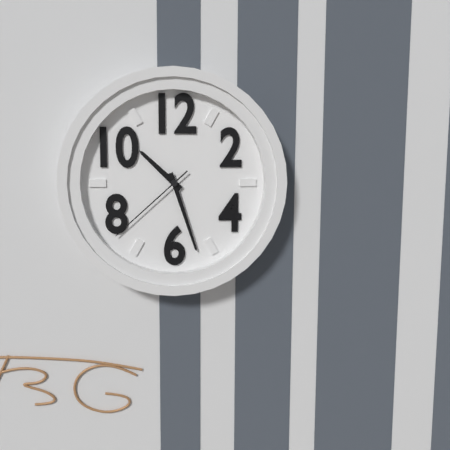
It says 10 h 27 min 38 s
